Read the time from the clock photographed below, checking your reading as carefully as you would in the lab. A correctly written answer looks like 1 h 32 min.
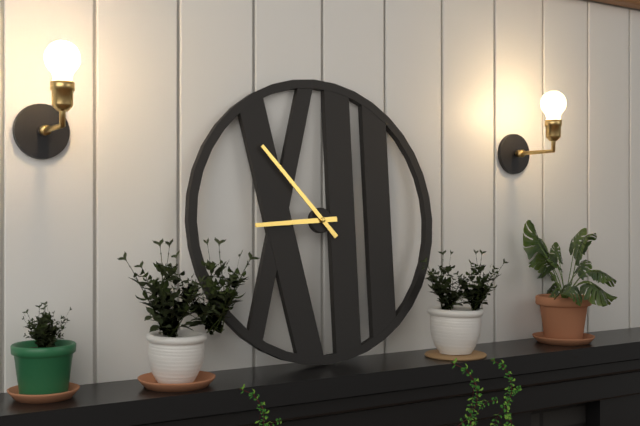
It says 8 h 53 min
